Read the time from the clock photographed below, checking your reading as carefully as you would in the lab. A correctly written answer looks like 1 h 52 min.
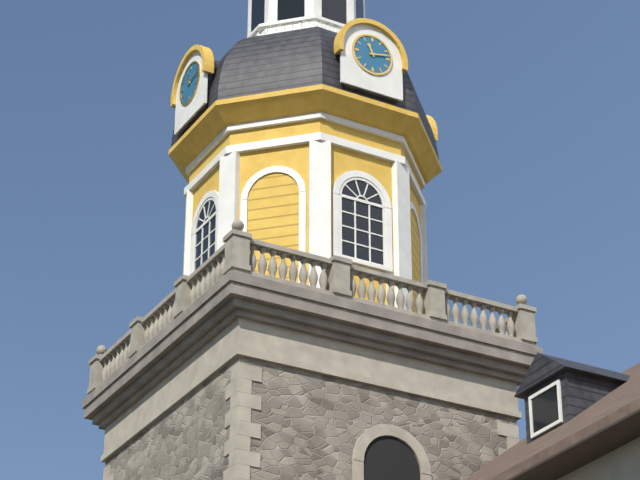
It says 11 h 13 min
